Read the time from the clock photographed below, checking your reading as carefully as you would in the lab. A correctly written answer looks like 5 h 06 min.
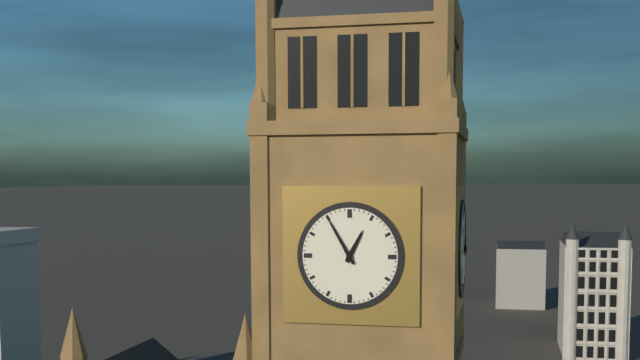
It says 12 h 55 min
